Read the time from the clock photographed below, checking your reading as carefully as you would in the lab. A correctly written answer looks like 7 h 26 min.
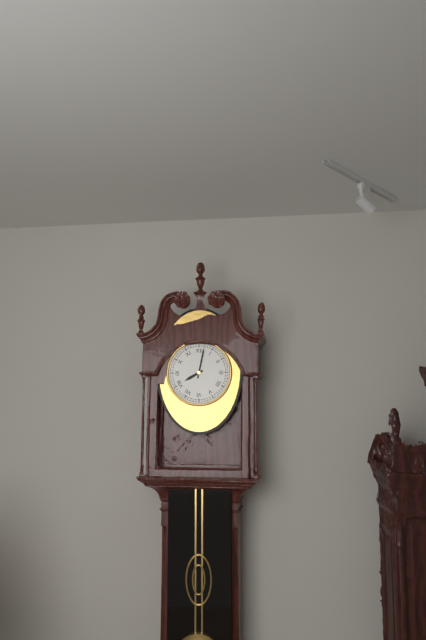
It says 8 h 02 min
